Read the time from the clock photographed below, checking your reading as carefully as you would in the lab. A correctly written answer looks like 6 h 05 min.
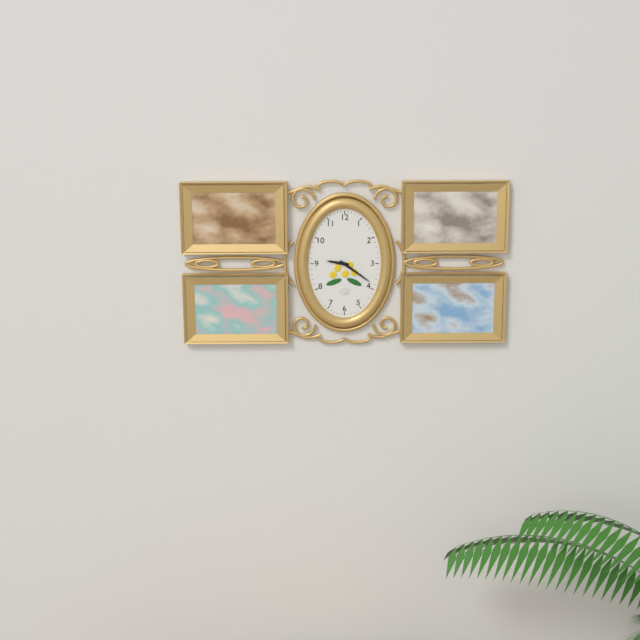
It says 9 h 21 min
